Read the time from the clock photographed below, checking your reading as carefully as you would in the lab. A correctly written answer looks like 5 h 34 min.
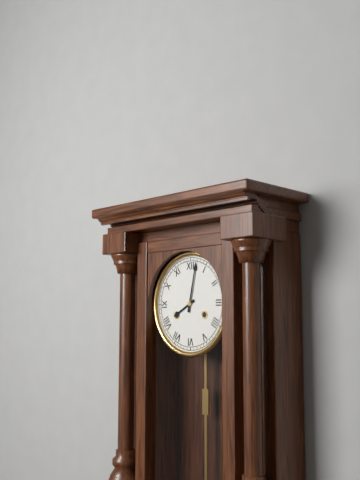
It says 8 h 02 min
